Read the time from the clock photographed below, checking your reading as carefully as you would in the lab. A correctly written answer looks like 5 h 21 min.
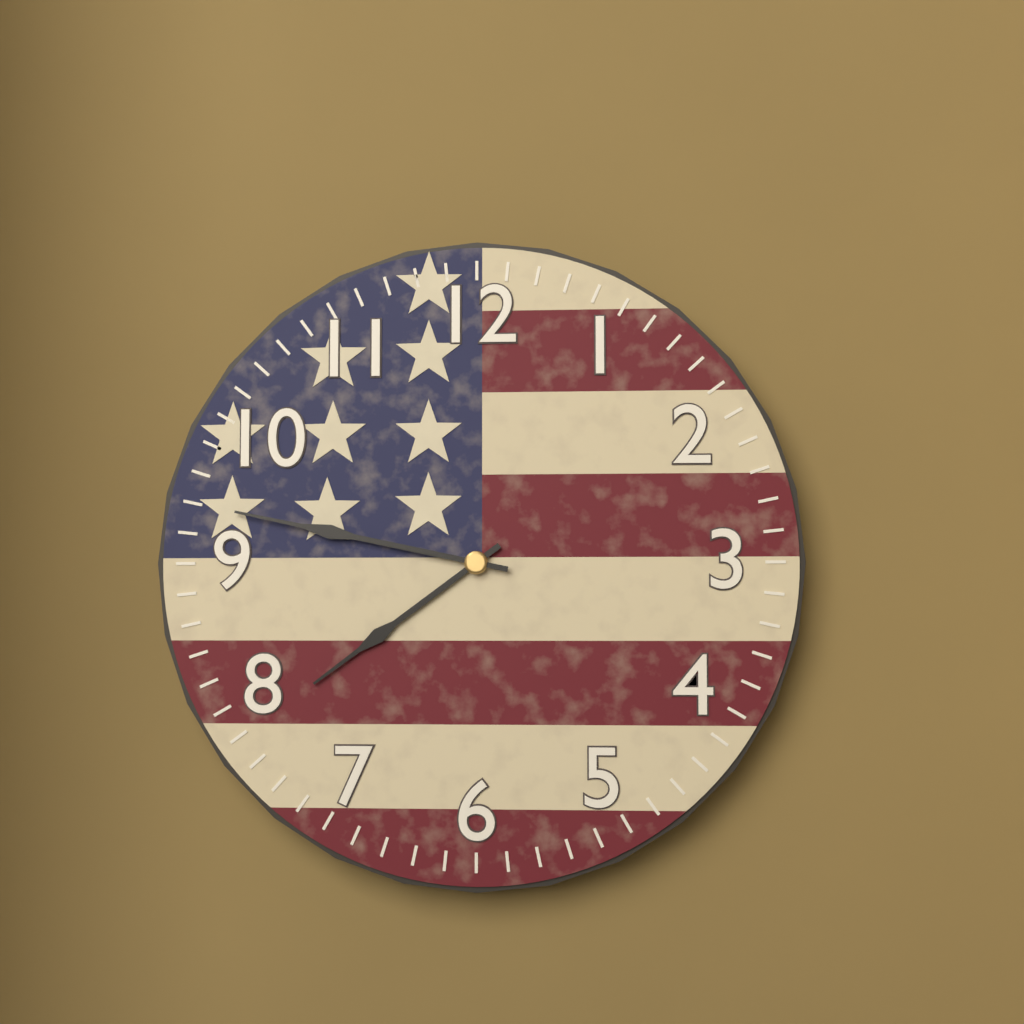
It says 7 h 47 min
